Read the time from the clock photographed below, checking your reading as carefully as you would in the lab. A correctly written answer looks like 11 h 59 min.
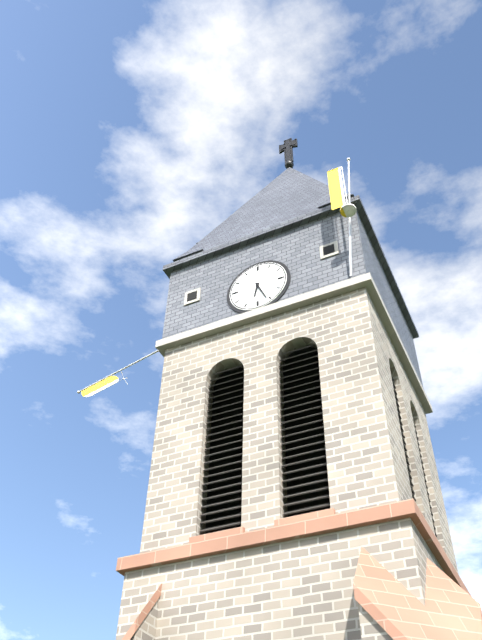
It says 6 h 26 min
